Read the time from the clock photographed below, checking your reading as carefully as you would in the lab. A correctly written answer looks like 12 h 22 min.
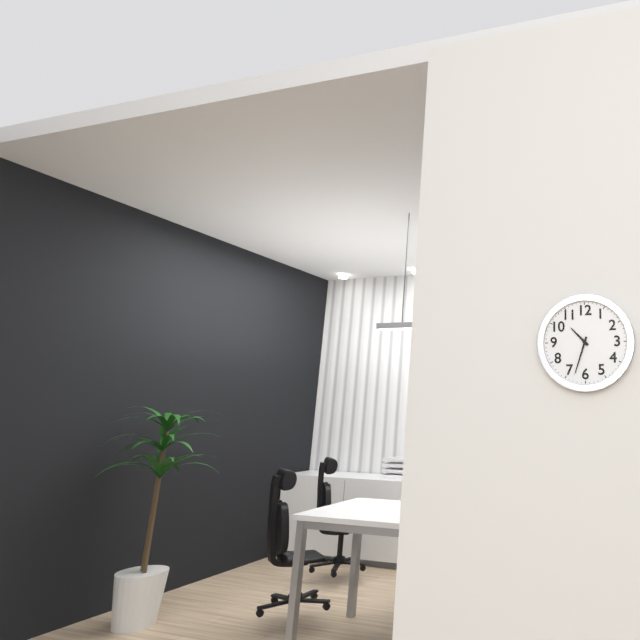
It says 10 h 33 min
